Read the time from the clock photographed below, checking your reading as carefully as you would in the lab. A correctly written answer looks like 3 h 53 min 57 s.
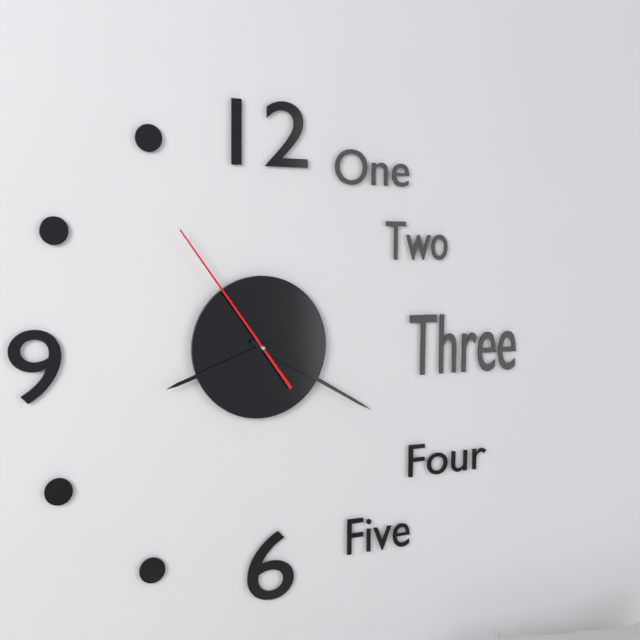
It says 8 h 20 min 54 s
